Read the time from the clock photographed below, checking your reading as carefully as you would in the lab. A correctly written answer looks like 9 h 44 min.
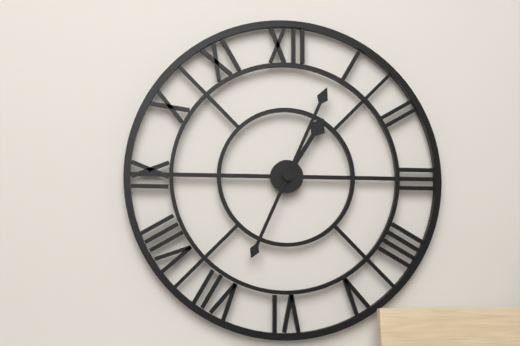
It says 1 h 04 min
